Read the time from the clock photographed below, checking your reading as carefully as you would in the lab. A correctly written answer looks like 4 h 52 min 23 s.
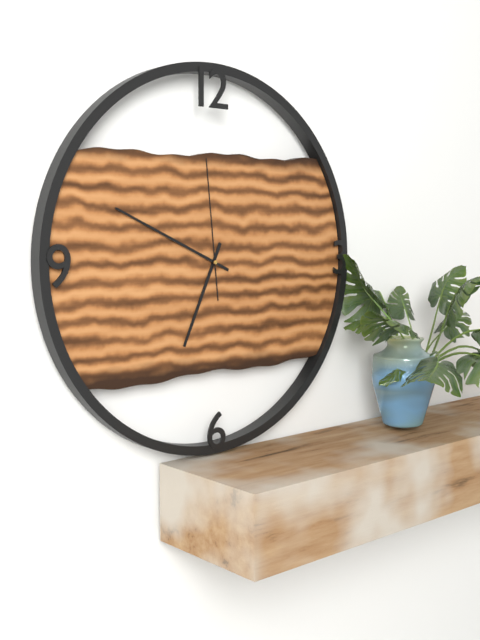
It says 6 h 49 min 59 s
